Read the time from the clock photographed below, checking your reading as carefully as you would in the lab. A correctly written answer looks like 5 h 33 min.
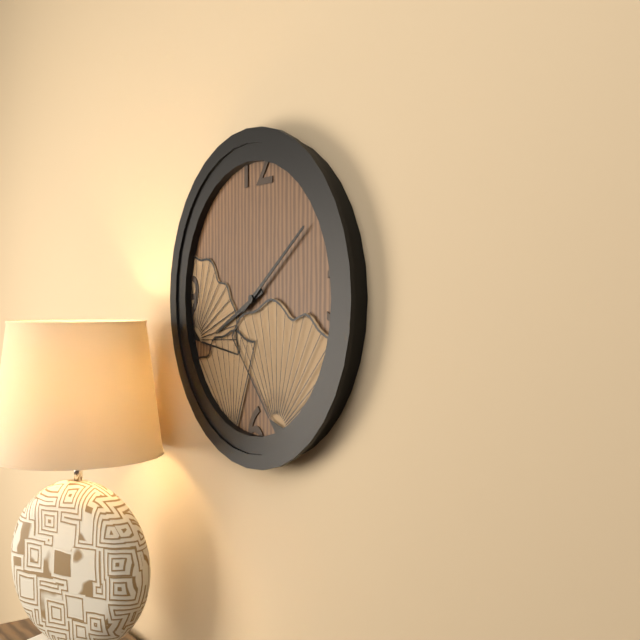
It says 8 h 09 min
